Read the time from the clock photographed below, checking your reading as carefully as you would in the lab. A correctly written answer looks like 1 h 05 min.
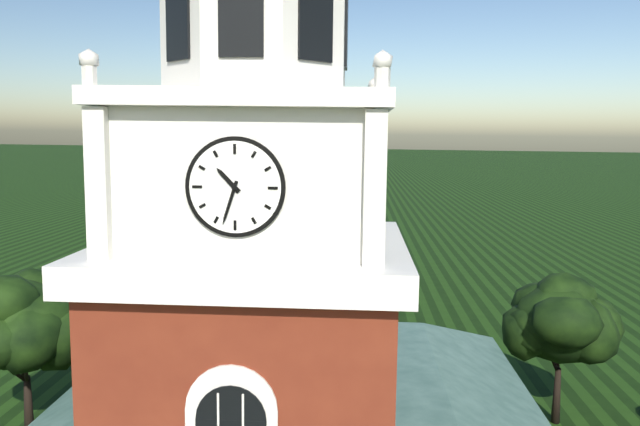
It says 10 h 33 min
